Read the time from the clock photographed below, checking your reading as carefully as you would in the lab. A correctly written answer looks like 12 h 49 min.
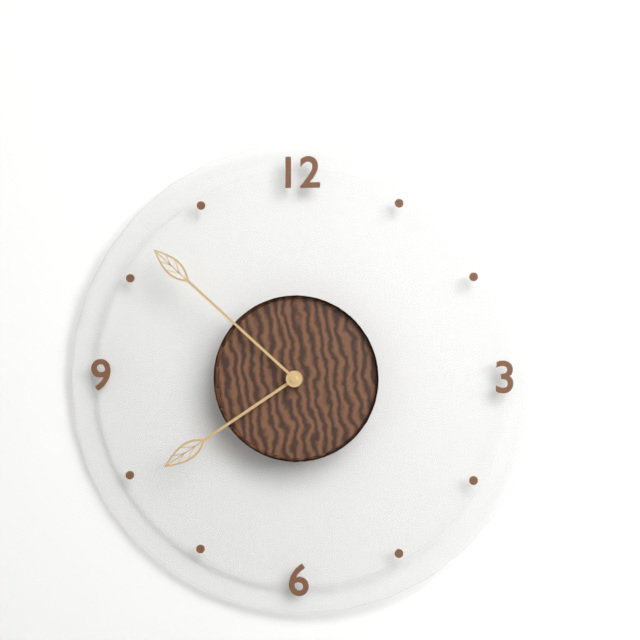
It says 7 h 52 min
